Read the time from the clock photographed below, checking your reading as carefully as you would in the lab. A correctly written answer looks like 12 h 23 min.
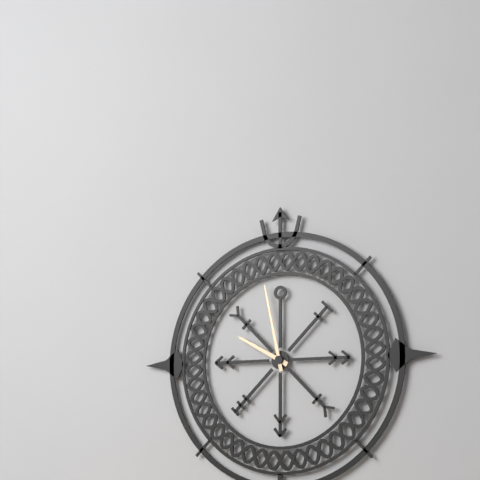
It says 9 h 58 min
